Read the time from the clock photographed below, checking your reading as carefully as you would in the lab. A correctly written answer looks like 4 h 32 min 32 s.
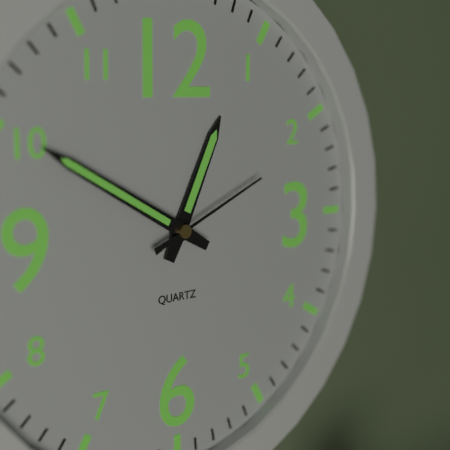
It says 12 h 50 min 11 s
